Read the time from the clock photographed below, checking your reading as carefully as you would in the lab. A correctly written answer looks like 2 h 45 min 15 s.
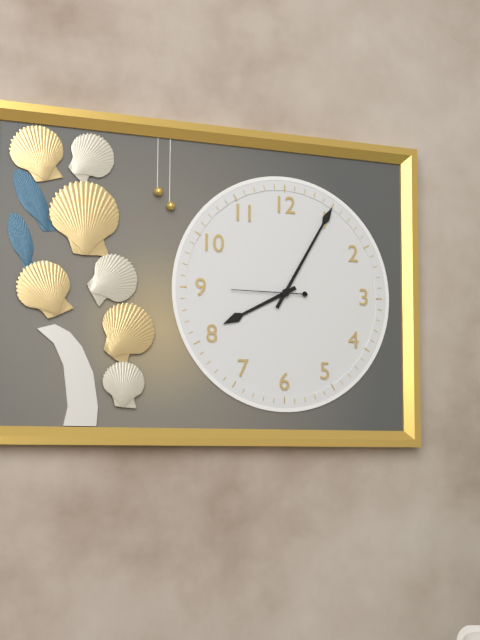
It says 8 h 05 min 45 s
